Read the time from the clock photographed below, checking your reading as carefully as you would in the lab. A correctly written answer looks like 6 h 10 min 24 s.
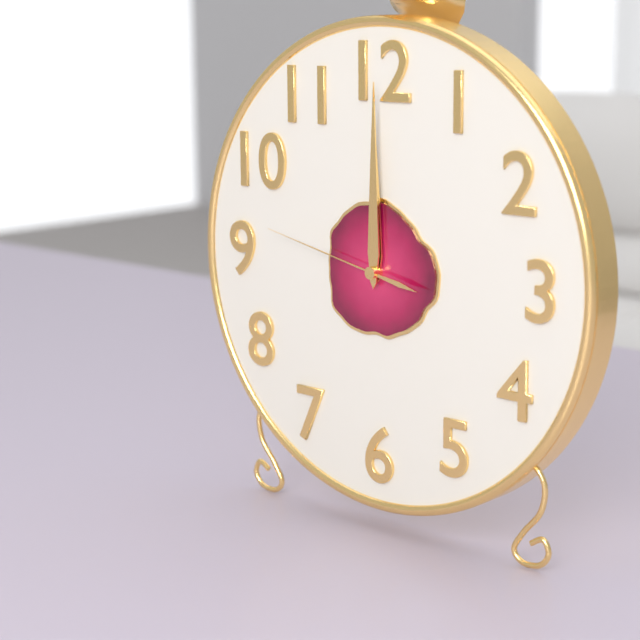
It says 12 h 00 min 47 s
